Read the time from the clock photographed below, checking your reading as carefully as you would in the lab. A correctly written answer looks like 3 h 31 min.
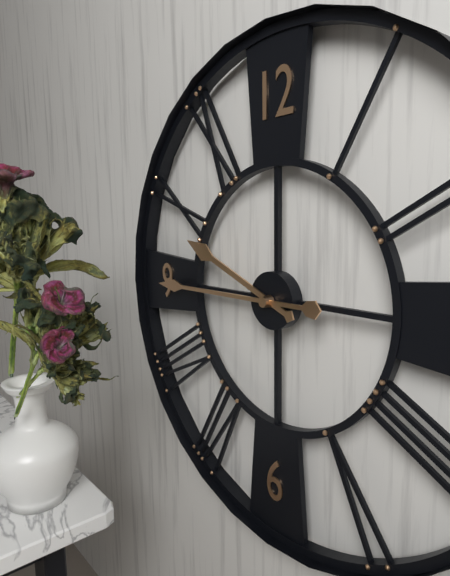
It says 9 h 45 min
